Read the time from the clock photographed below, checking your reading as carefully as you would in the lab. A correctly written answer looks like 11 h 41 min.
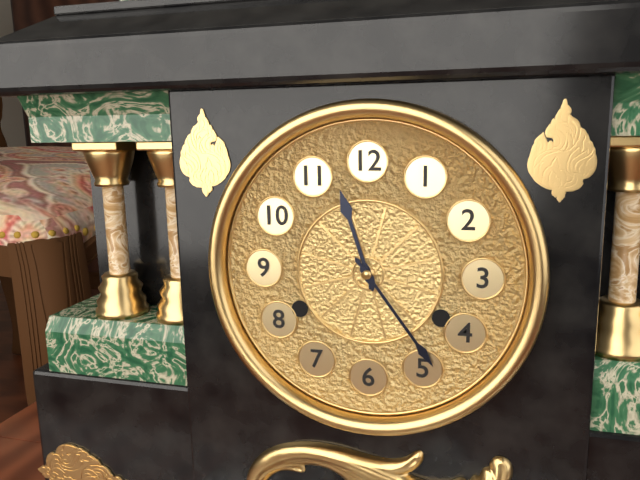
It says 11 h 24 min
